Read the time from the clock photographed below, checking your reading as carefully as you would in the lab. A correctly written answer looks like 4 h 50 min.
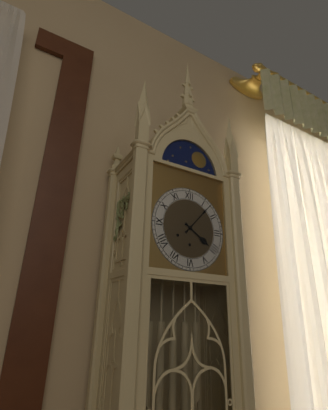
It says 4 h 07 min
